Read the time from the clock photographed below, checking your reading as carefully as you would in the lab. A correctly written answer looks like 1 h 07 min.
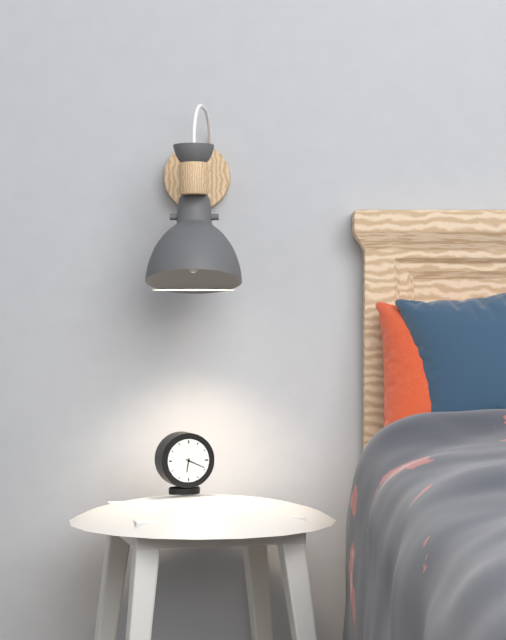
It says 6 h 19 min
